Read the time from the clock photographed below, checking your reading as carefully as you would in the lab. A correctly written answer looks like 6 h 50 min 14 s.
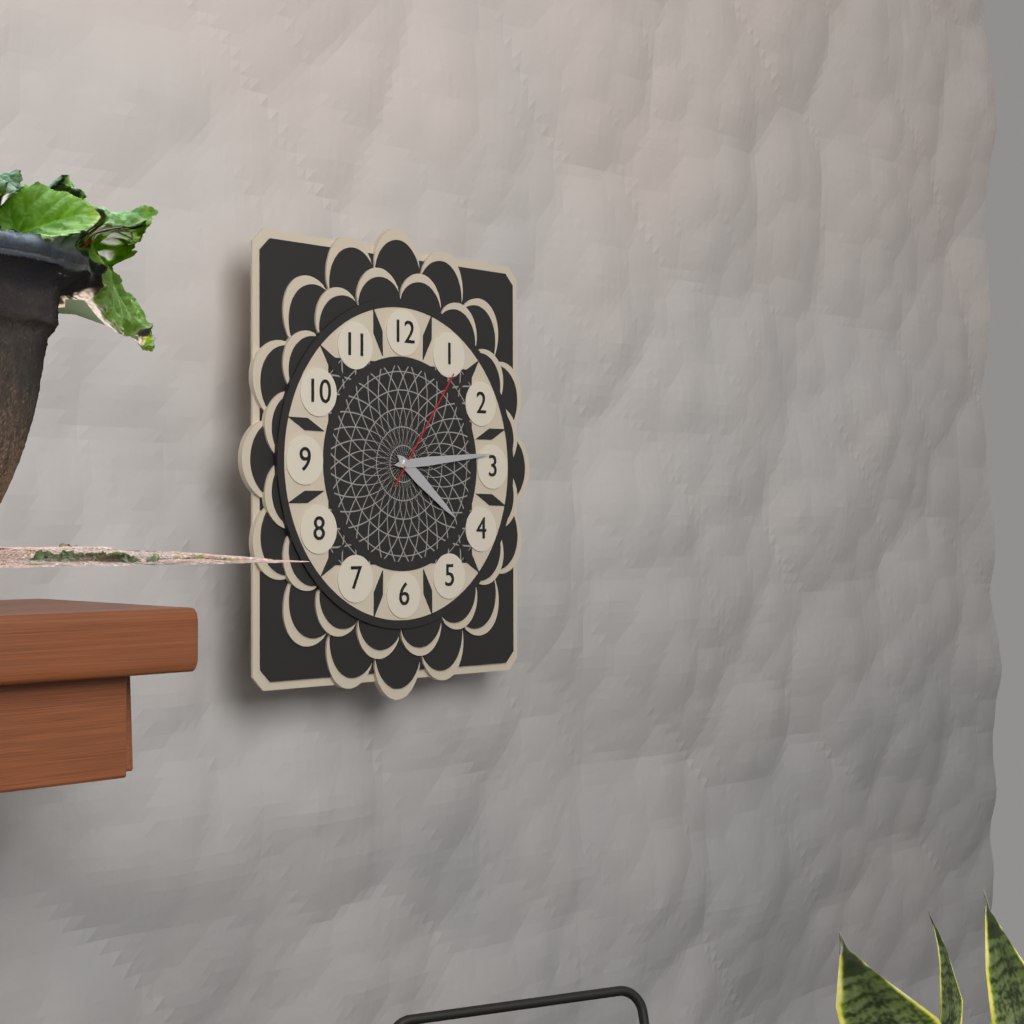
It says 4 h 14 min 06 s
